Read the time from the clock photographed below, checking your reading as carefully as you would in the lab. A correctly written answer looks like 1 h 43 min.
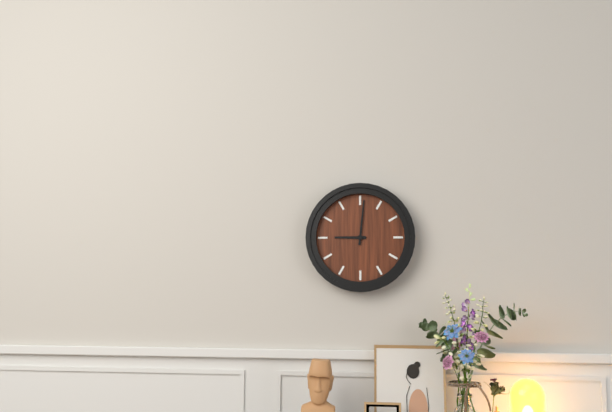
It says 9 h 01 min
